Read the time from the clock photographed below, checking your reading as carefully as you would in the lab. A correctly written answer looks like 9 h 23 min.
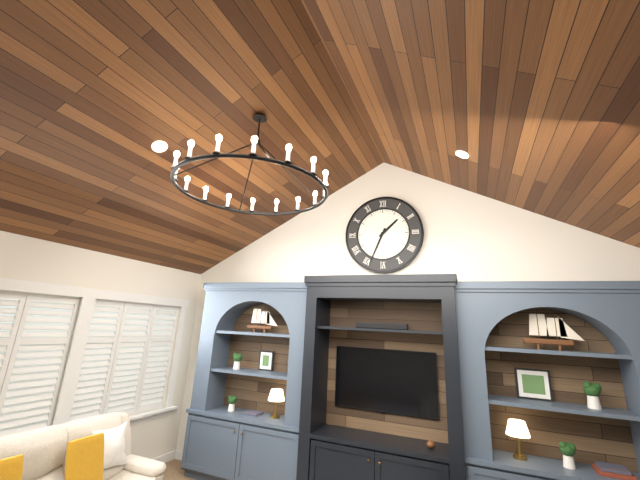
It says 1 h 34 min
